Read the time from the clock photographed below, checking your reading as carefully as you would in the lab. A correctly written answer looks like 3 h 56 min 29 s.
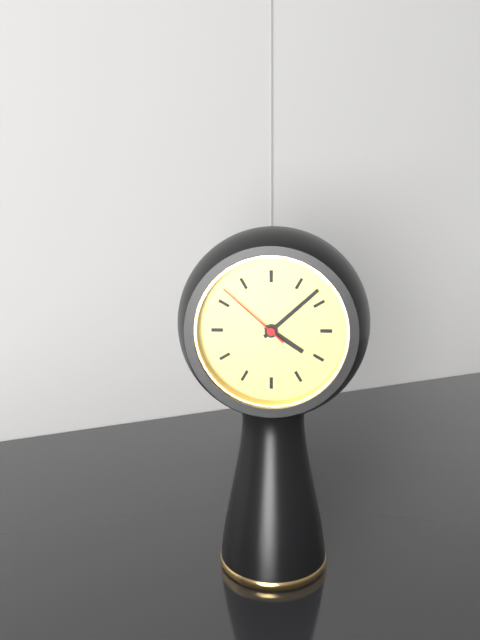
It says 4 h 08 min 52 s
